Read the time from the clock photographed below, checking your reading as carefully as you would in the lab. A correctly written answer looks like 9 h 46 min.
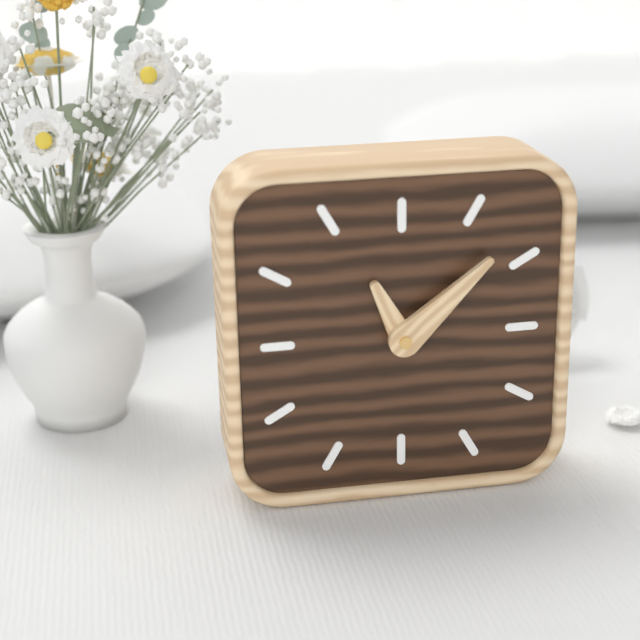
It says 11 h 08 min
